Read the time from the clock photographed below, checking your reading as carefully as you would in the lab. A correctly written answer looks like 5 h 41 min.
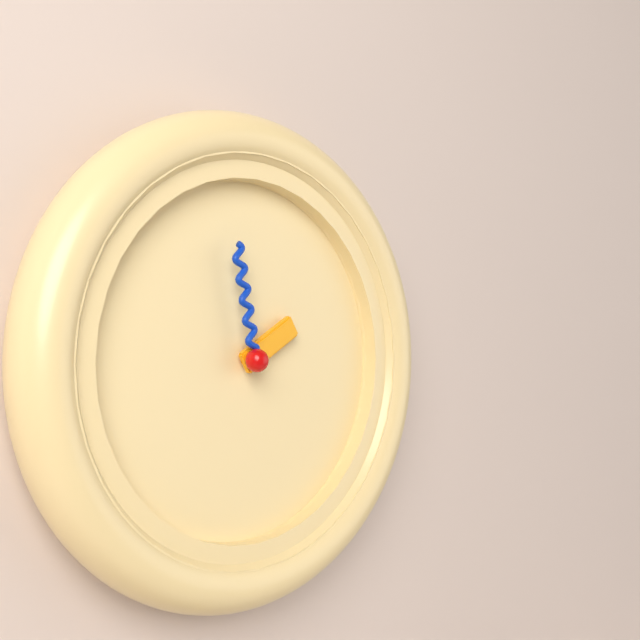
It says 1 h 58 min
